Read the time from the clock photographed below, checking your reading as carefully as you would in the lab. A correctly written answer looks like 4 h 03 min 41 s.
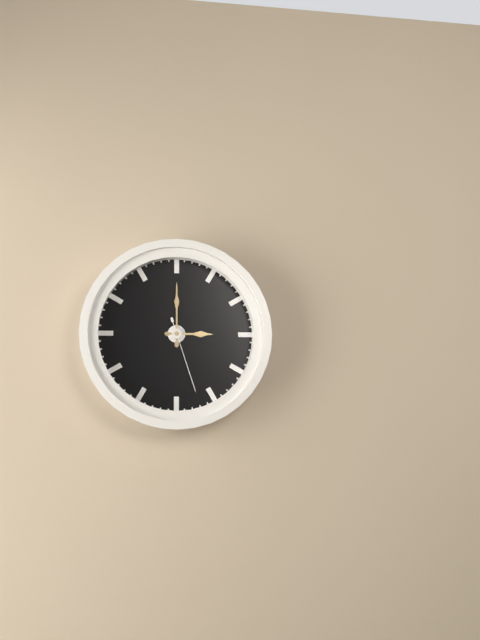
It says 3 h 00 min 27 s
